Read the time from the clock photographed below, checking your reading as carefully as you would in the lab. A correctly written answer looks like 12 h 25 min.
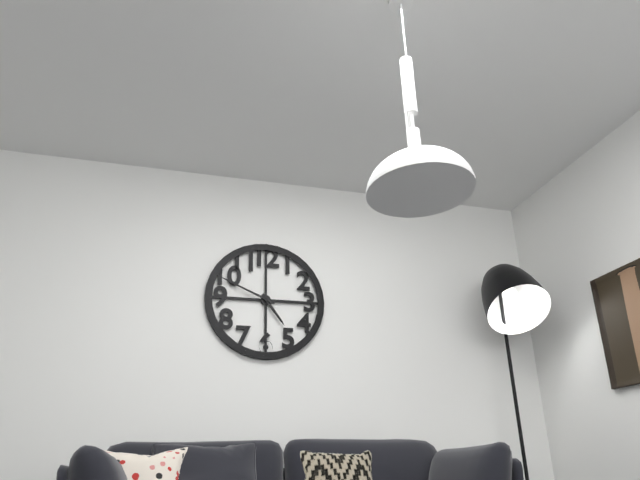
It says 4 h 49 min
